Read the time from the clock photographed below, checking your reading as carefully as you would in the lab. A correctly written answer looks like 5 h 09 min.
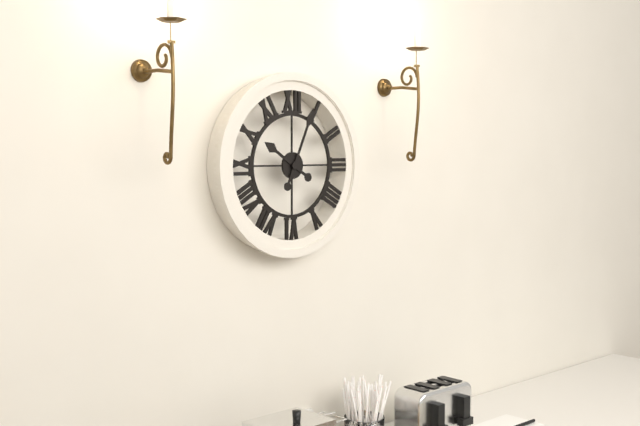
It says 10 h 04 min
